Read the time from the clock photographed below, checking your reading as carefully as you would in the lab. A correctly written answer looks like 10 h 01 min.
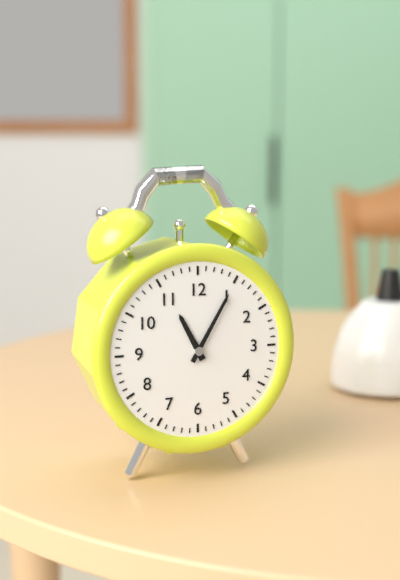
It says 11 h 05 min
